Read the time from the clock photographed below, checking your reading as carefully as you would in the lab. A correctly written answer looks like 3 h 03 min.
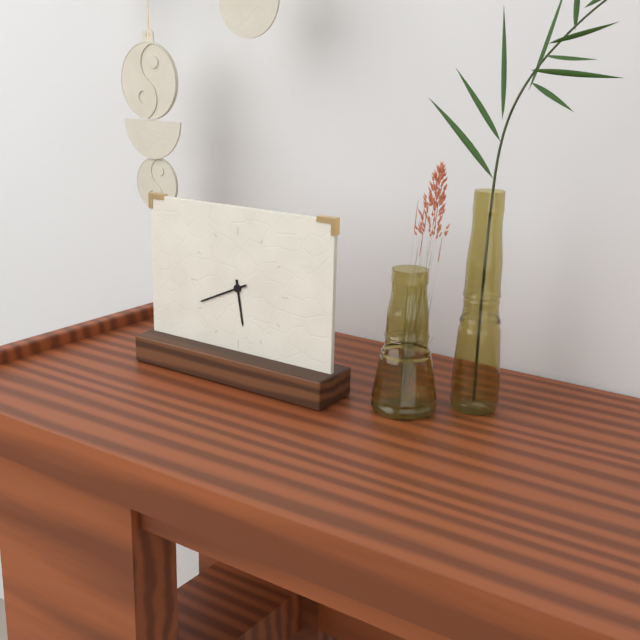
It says 5 h 41 min
